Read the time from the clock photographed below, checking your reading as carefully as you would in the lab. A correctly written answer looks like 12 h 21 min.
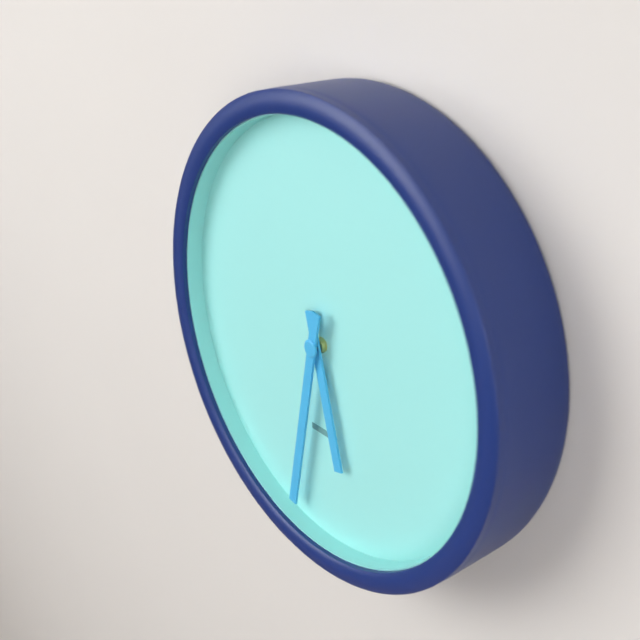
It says 5 h 32 min
